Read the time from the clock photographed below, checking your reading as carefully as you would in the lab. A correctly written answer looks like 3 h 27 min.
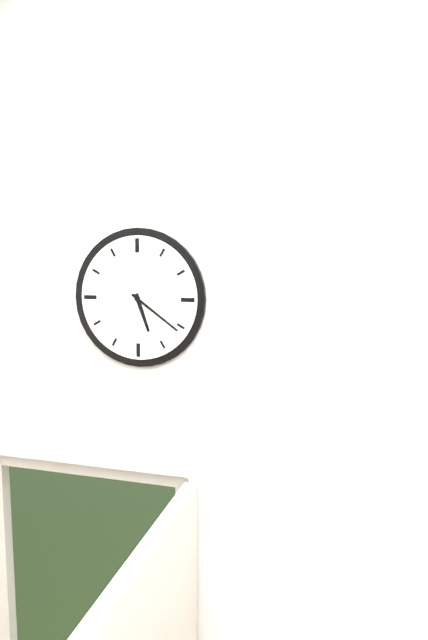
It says 5 h 21 min
